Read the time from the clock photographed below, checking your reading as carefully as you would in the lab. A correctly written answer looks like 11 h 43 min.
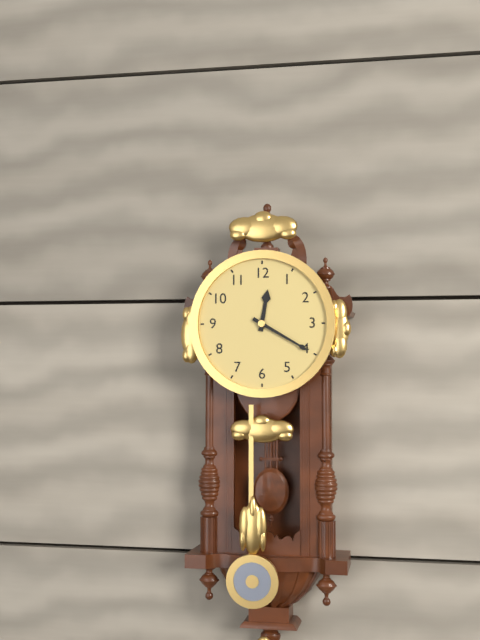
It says 12 h 20 min
